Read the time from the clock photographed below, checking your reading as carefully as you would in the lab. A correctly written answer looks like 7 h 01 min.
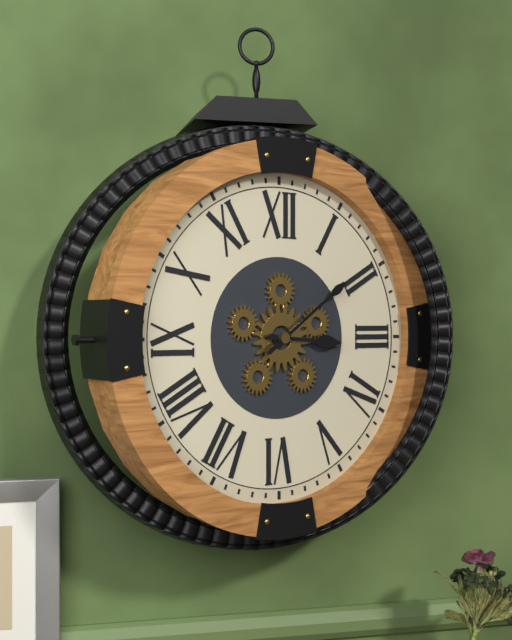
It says 3 h 09 min
